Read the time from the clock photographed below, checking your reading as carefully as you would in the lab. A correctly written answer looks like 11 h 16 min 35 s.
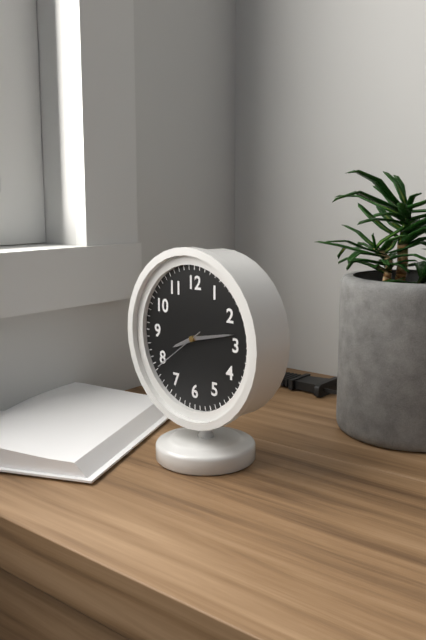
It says 8 h 13 min 39 s
